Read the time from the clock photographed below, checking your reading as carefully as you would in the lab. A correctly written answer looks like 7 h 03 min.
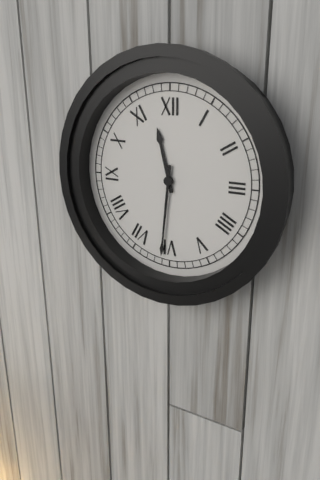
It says 11 h 31 min
